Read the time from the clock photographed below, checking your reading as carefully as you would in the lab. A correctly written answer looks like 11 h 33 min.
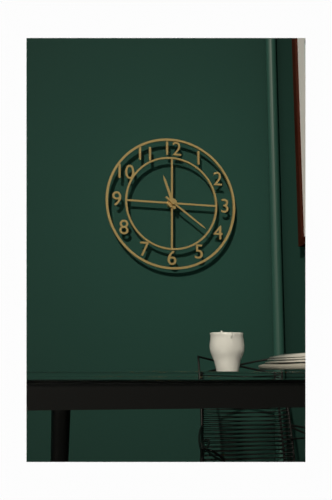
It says 11 h 21 min
